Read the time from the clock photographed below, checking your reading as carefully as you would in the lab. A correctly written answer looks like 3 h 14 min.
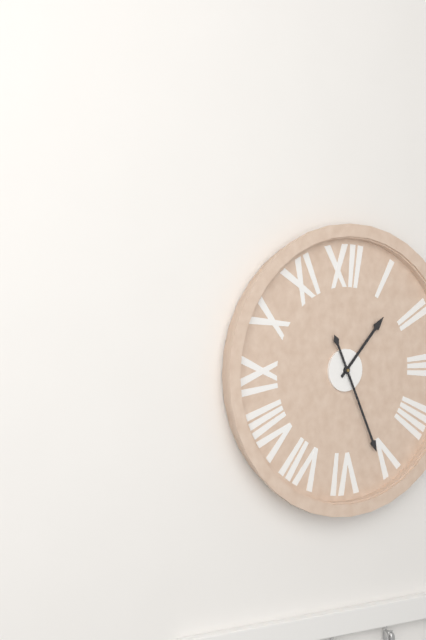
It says 1 h 26 min
